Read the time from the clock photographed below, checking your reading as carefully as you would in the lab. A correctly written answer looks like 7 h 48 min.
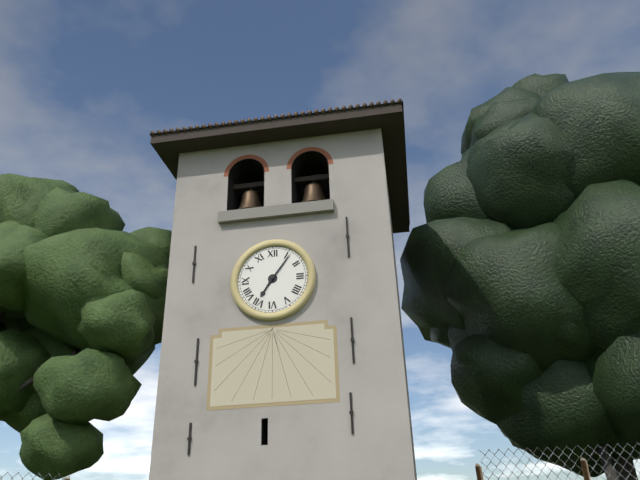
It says 7 h 06 min
